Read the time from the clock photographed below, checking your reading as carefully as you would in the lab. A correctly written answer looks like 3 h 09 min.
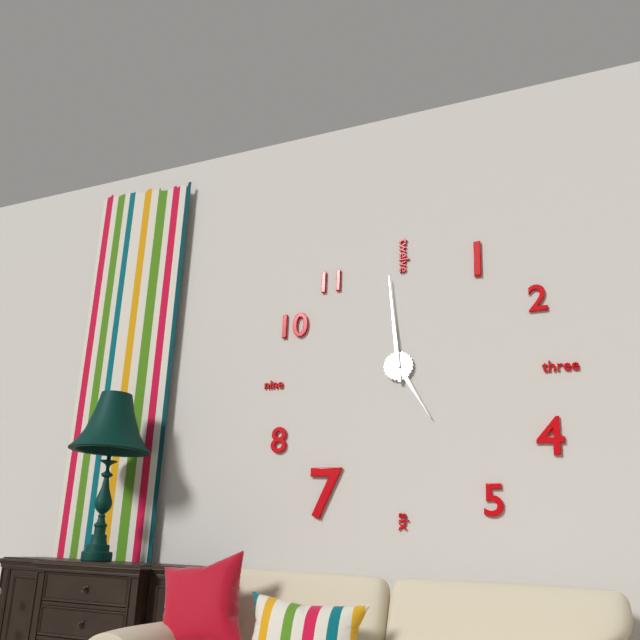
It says 4 h 59 min
